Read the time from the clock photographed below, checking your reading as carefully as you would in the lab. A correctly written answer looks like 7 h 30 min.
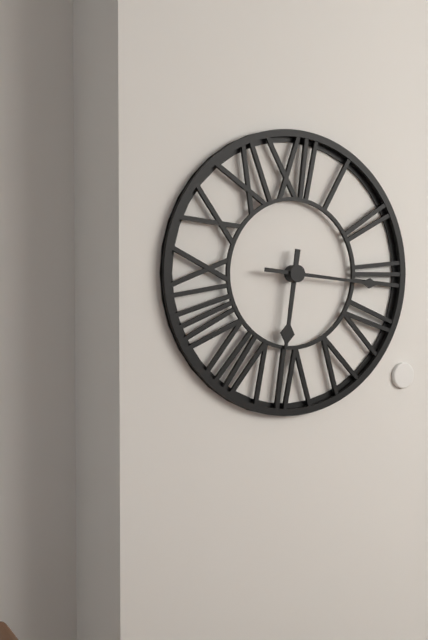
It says 6 h 16 min
